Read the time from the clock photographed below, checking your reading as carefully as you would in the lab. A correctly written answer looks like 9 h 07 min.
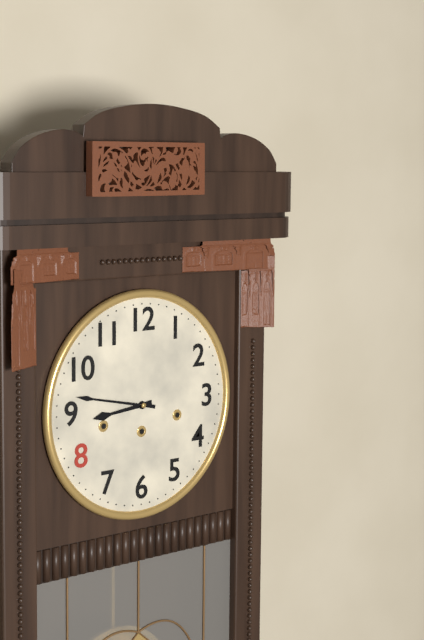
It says 8 h 47 min
